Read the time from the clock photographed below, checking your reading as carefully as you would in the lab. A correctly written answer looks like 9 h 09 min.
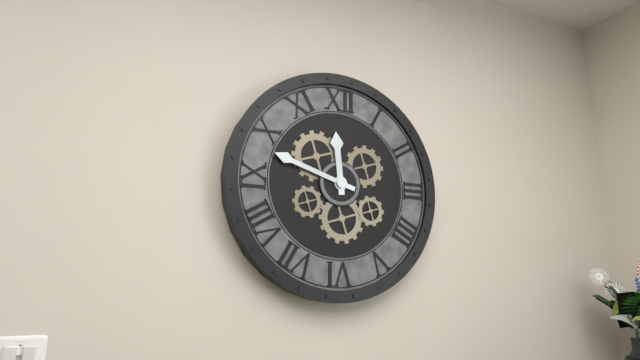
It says 11 h 48 min
